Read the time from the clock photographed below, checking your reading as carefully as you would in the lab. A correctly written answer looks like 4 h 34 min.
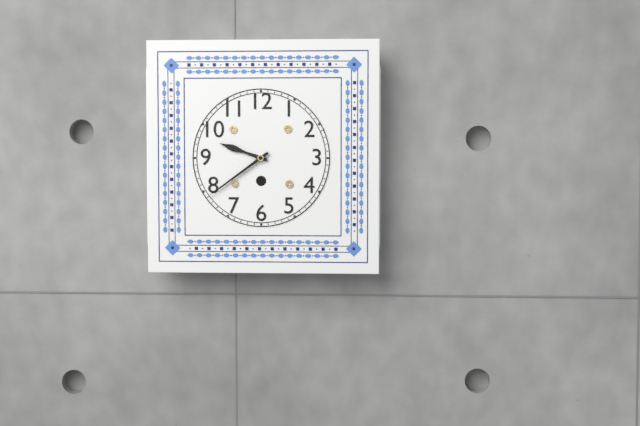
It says 9 h 39 min
